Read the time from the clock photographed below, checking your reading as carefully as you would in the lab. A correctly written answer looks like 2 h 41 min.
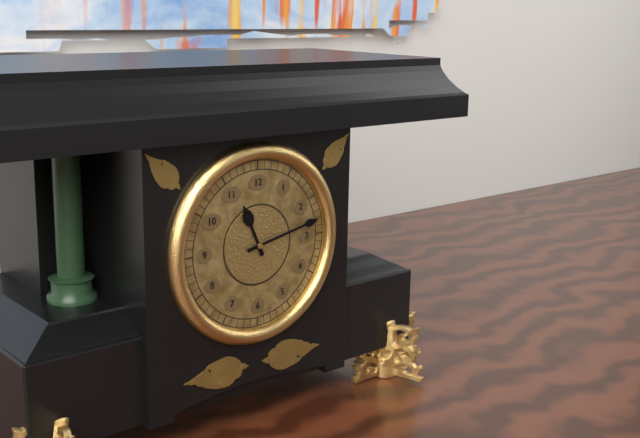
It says 11 h 13 min
